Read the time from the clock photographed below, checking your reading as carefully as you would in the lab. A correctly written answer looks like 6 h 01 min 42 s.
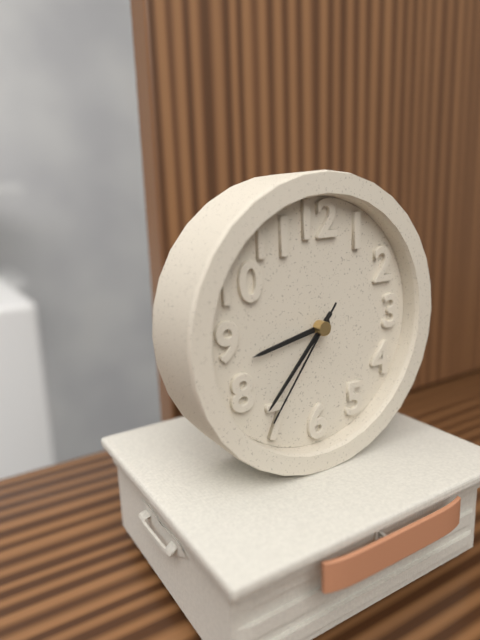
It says 8 h 37 min 36 s
